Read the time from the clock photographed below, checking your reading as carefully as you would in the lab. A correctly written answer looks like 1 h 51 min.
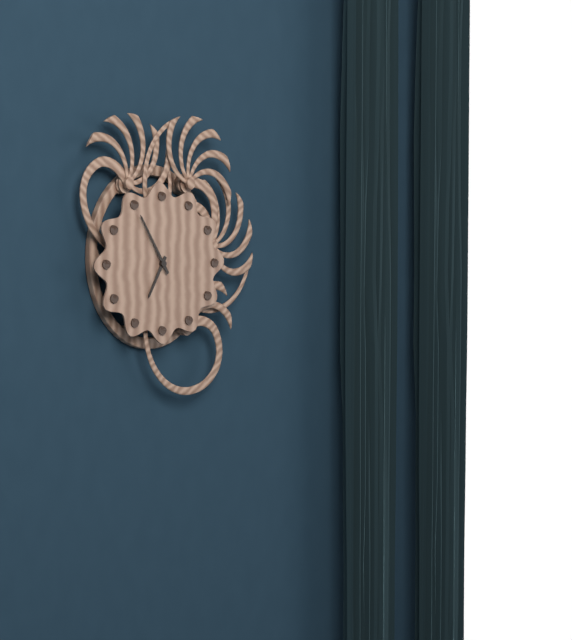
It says 6 h 55 min
